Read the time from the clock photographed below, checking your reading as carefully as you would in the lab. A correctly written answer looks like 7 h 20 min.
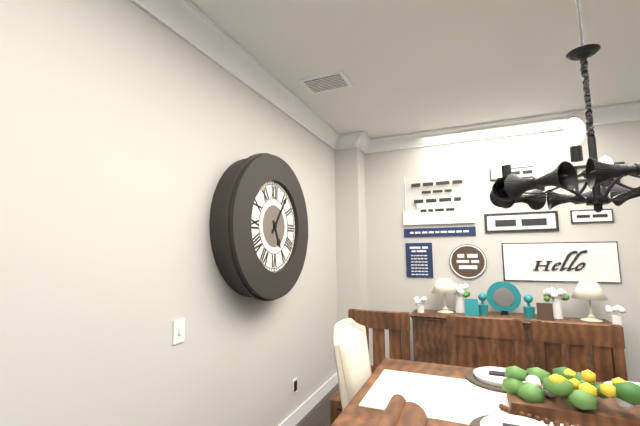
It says 5 h 06 min
